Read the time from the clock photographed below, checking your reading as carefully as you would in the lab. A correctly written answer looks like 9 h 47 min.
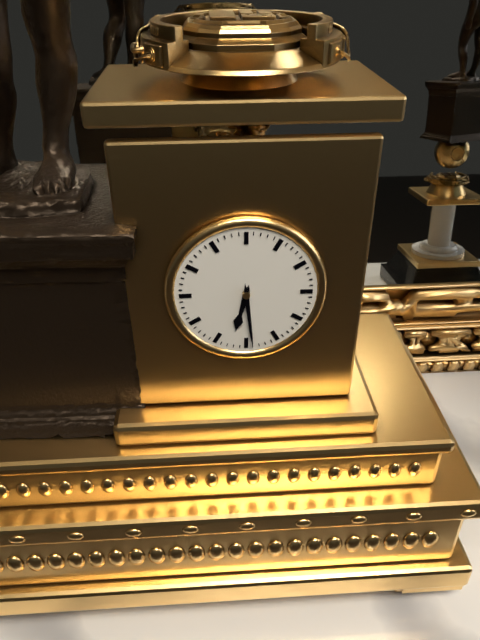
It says 6 h 29 min
